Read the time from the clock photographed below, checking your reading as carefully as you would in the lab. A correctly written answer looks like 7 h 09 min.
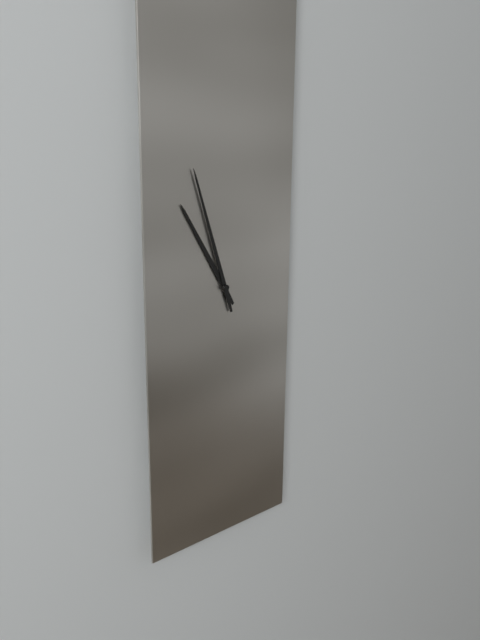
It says 10 h 57 min
